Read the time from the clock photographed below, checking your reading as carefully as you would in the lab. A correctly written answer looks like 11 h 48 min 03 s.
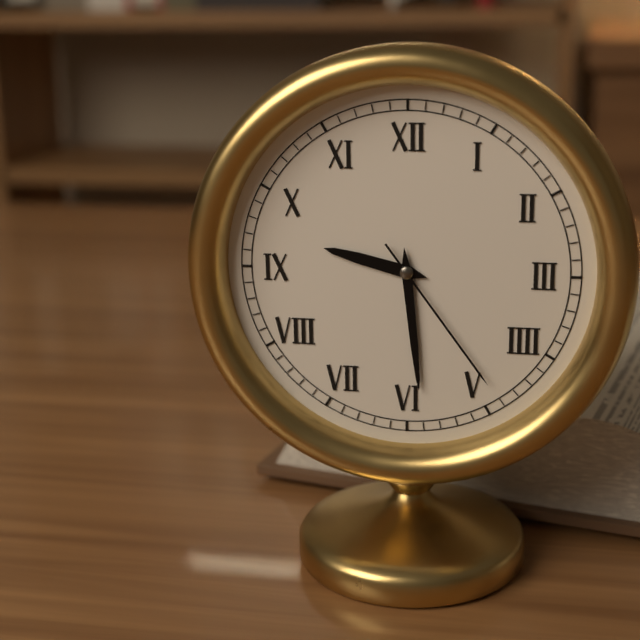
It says 9 h 29 min 24 s
